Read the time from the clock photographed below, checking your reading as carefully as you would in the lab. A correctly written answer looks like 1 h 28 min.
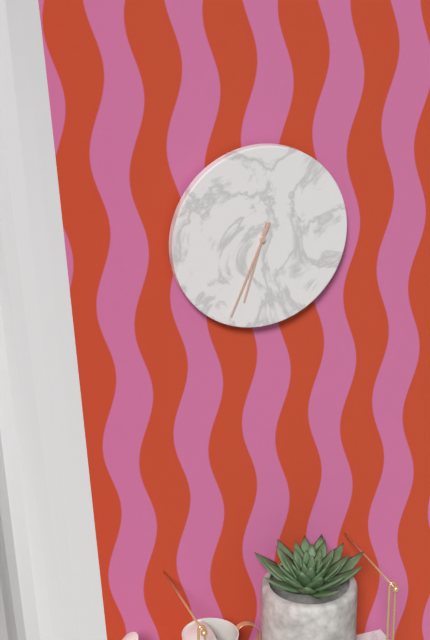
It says 6 h 34 min
